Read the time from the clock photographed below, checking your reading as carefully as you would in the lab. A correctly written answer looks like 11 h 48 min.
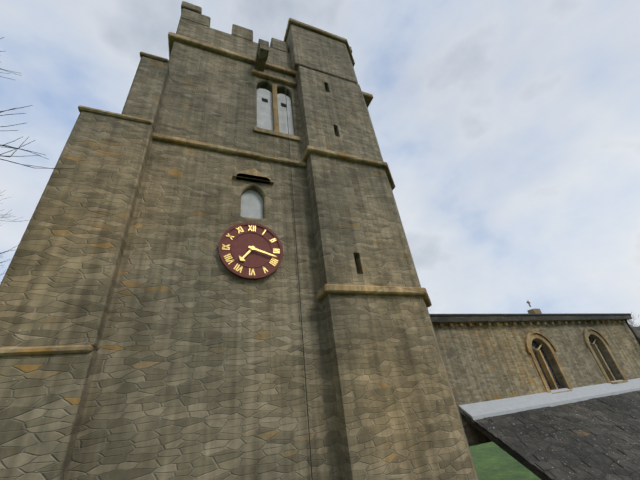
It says 7 h 18 min
